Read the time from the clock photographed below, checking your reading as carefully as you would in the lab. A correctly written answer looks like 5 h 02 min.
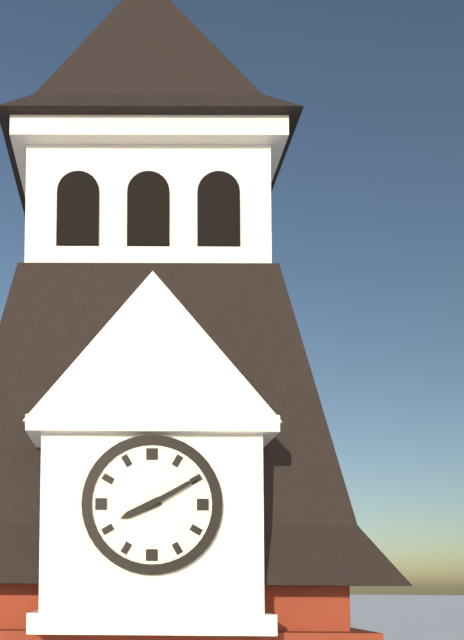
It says 8 h 10 min
